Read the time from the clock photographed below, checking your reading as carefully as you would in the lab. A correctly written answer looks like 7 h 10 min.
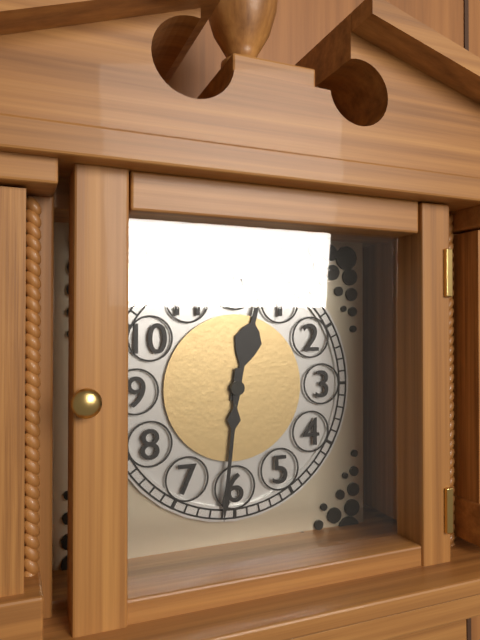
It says 12 h 31 min
